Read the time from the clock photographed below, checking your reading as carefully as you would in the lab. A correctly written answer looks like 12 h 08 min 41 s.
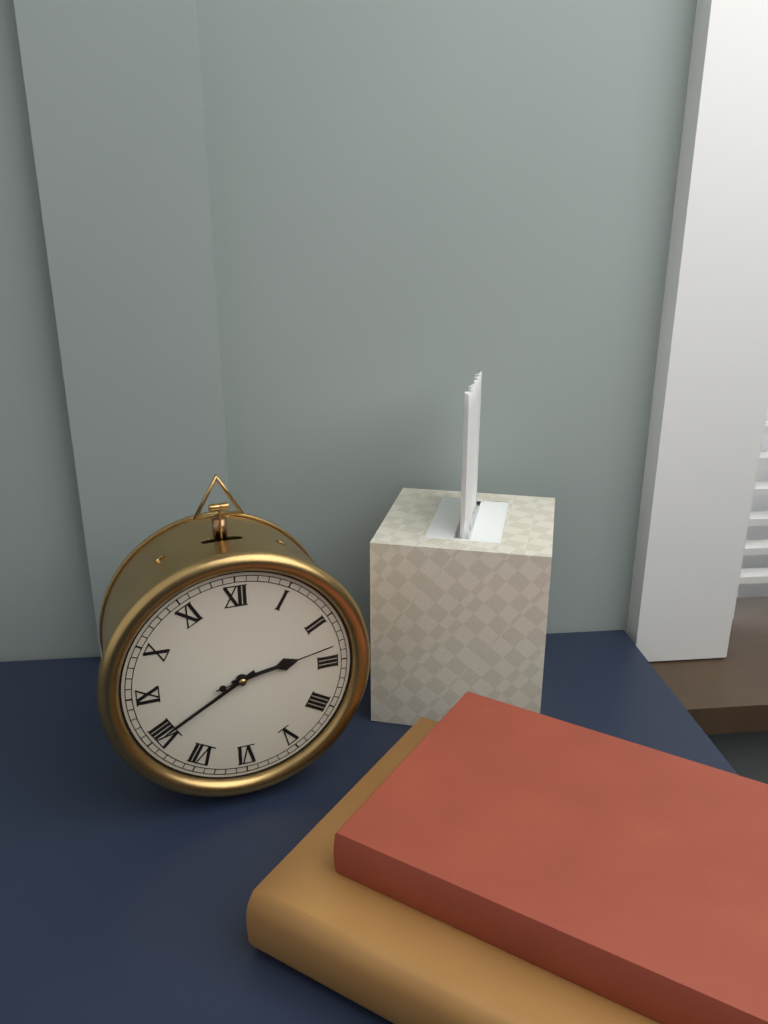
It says 2 h 40 min 13 s
